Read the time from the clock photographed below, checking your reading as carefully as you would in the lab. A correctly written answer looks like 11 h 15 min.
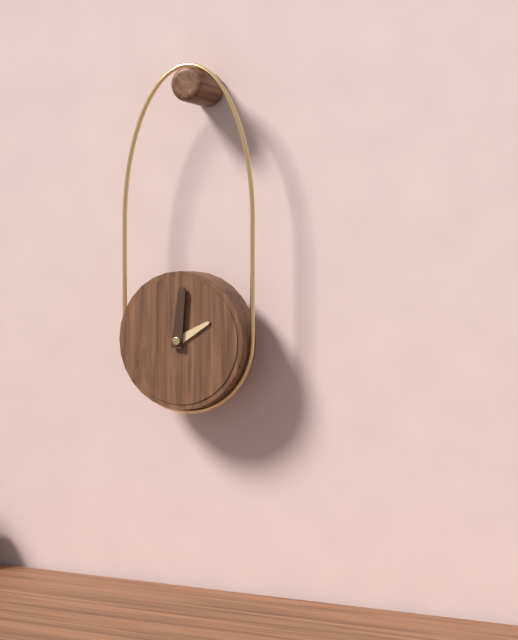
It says 2 h 01 min
